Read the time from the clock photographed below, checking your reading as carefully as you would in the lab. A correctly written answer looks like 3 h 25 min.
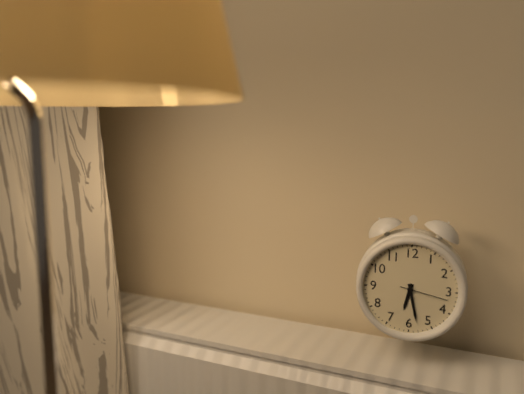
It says 6 h 28 min
